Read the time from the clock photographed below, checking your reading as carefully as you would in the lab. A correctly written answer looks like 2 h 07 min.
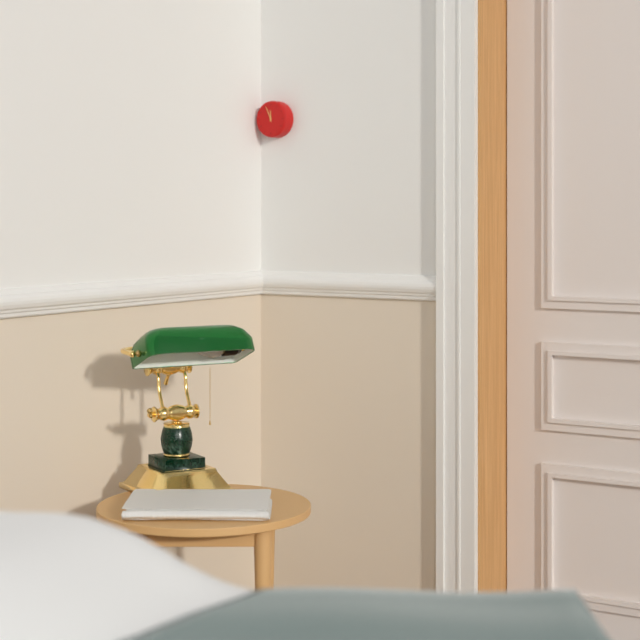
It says 11 h 56 min
